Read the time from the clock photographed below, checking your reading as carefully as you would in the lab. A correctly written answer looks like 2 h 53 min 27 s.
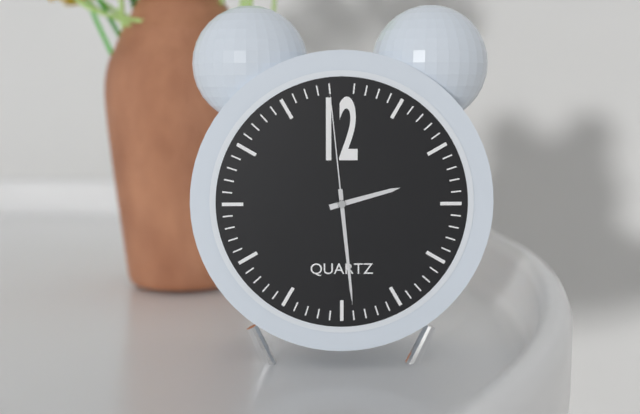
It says 2 h 29 min 59 s
